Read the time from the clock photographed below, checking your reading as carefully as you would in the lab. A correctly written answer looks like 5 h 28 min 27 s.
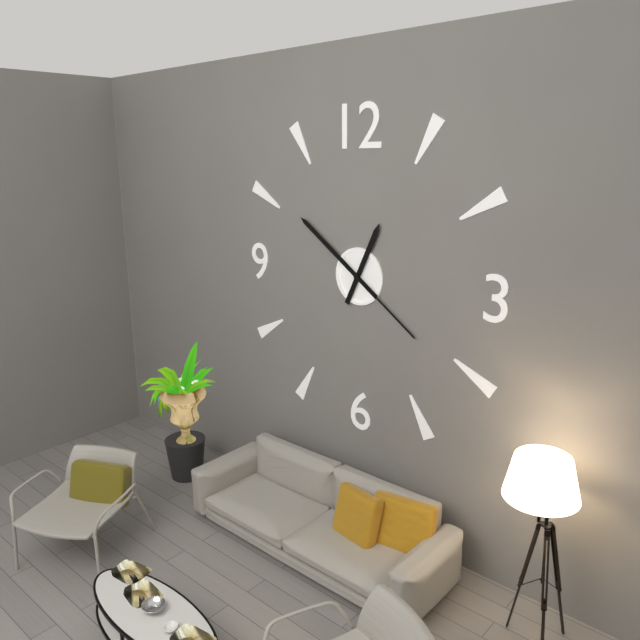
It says 12 h 51 min 21 s
